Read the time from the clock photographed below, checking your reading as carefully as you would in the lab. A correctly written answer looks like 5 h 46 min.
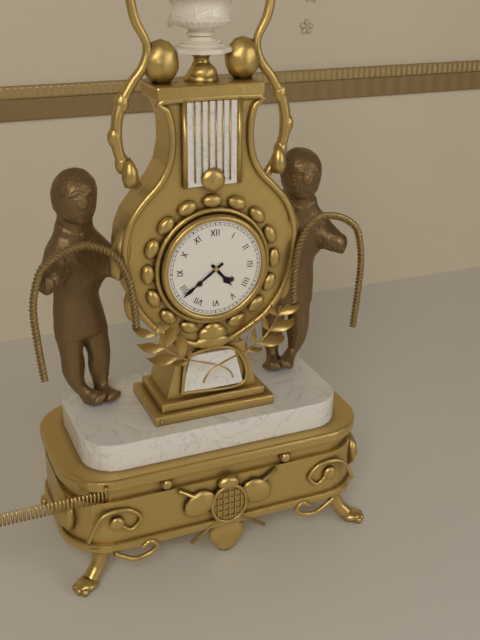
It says 4 h 39 min
